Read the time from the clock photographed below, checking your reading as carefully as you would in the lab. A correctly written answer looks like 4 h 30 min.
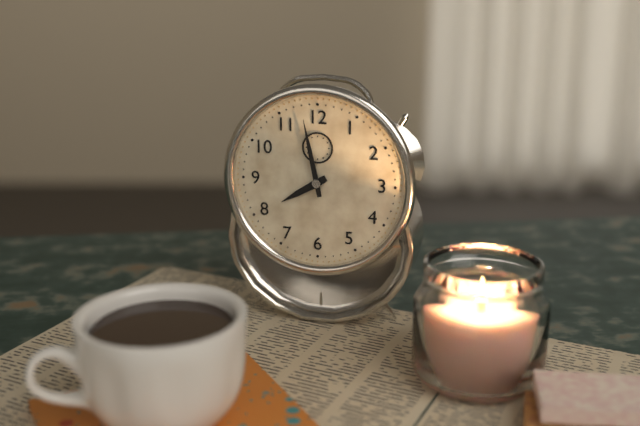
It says 7 h 58 min
